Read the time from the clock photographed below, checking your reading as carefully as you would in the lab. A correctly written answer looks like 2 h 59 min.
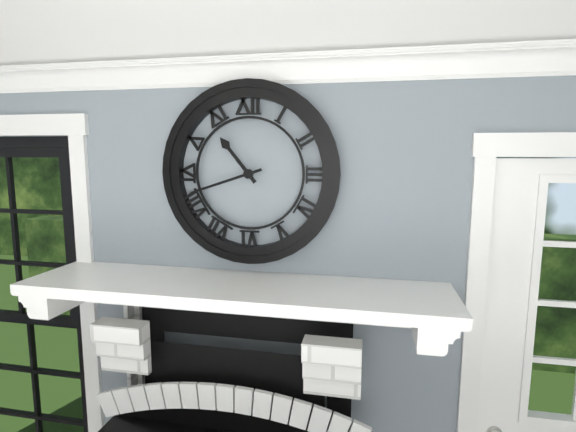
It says 10 h 42 min
